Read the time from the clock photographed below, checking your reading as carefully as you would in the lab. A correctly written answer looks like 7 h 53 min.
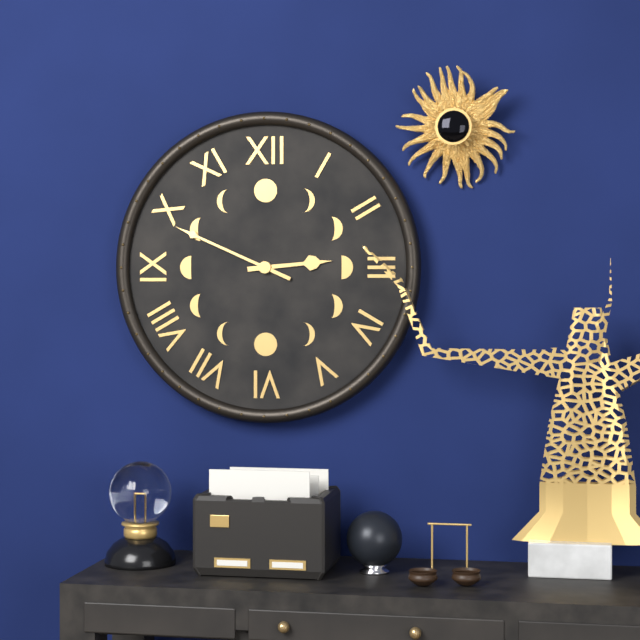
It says 2 h 49 min
